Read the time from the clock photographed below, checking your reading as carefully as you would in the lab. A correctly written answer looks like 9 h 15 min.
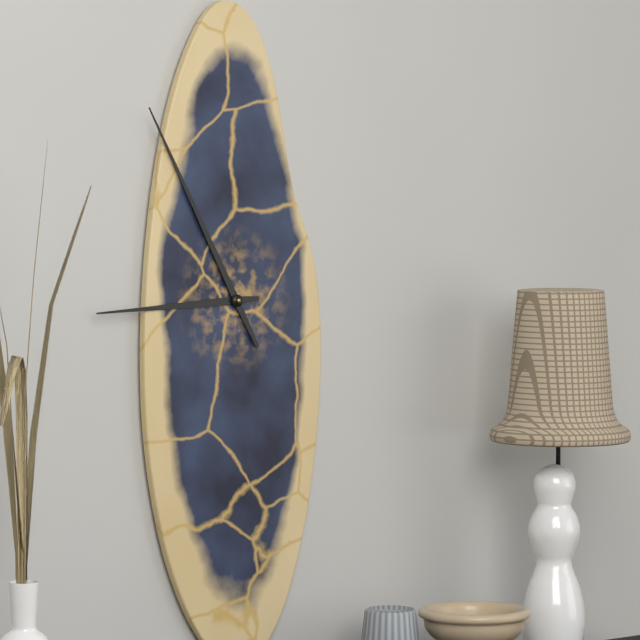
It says 8 h 55 min
